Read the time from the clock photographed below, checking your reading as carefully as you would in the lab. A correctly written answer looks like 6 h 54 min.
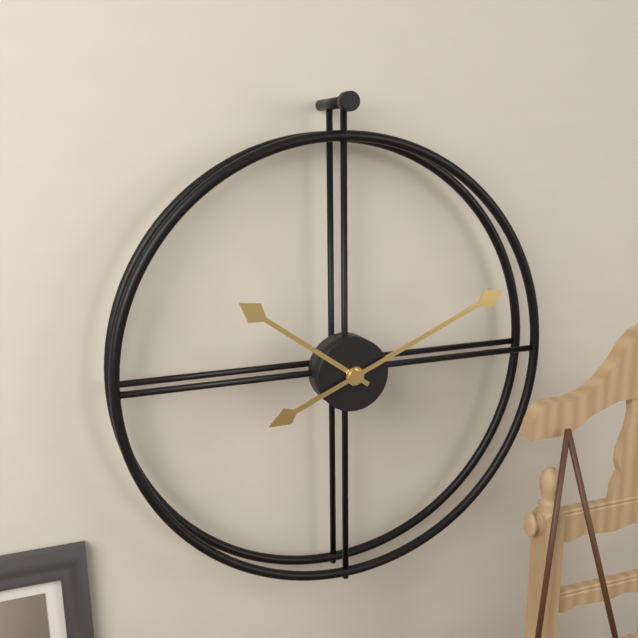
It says 10 h 11 min
